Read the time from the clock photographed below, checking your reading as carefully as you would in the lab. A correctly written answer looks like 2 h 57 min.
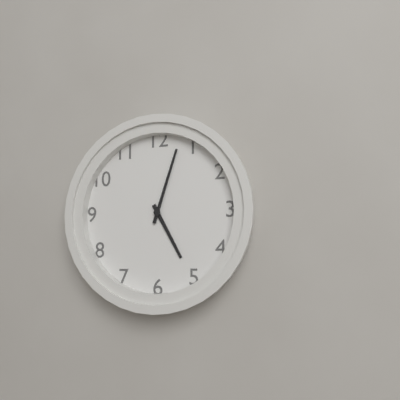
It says 5 h 03 min
